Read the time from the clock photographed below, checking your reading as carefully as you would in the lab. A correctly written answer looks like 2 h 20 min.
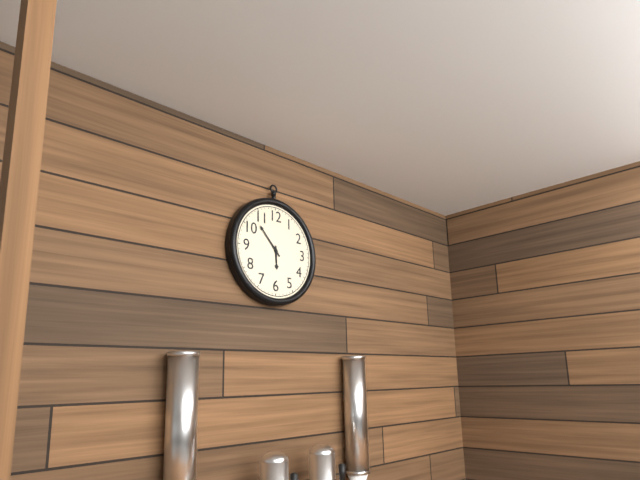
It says 5 h 53 min
